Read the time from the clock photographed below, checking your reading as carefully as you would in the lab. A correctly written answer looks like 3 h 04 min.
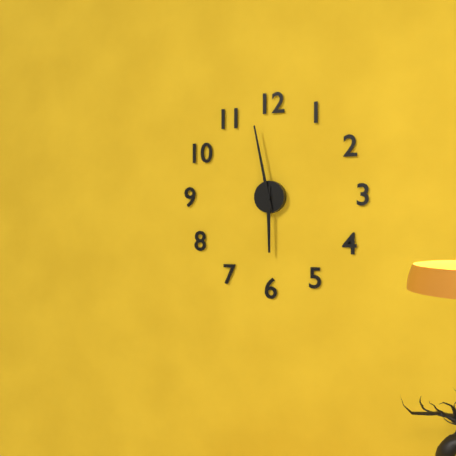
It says 5 h 58 min
